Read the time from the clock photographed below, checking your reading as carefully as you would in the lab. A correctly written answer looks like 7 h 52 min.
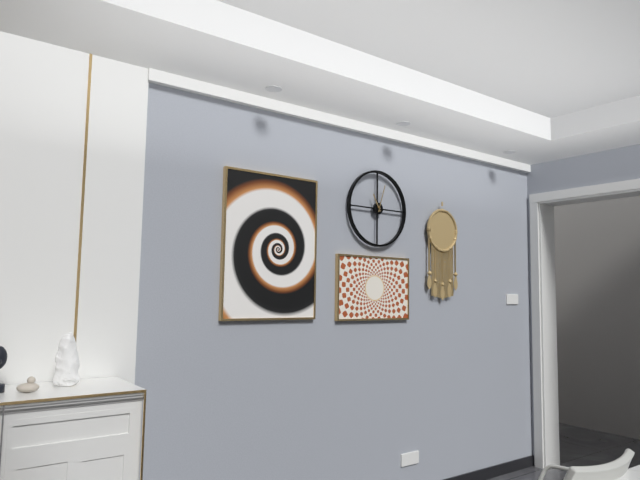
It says 11 h 03 min
